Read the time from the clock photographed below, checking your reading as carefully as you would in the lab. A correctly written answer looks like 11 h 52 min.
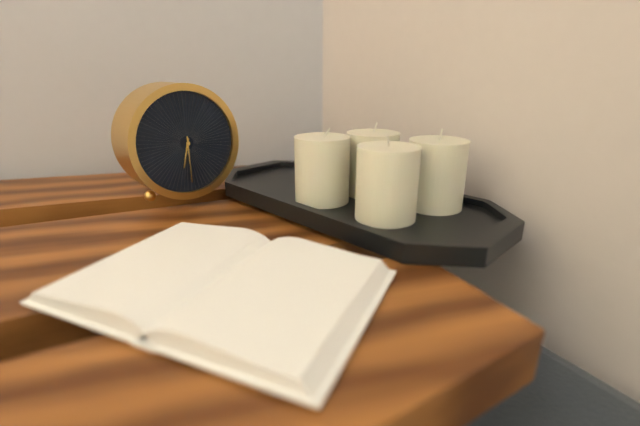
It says 6 h 30 min
